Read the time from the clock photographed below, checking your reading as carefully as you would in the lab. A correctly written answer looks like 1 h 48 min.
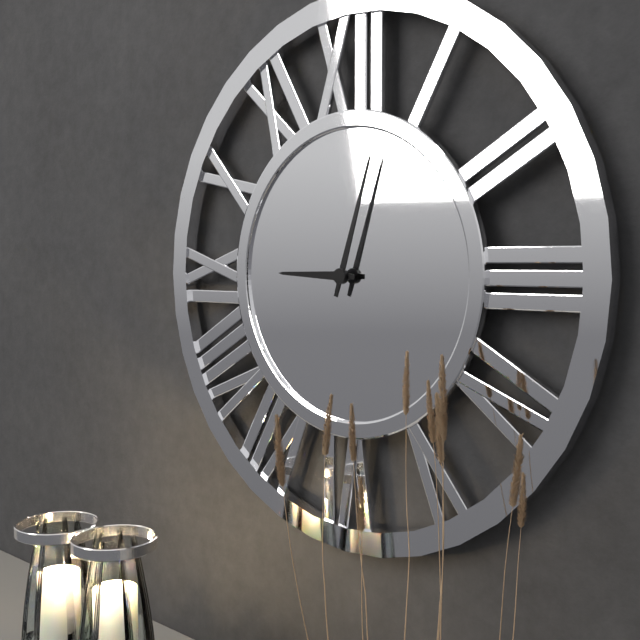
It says 9 h 03 min
